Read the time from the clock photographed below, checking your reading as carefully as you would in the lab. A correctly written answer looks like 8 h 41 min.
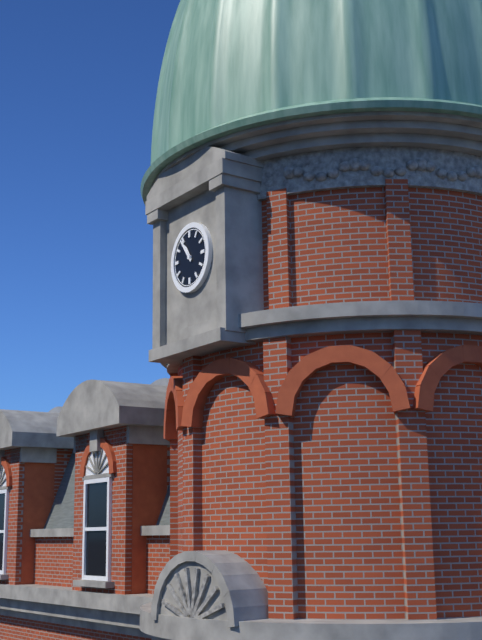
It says 10 h 54 min
